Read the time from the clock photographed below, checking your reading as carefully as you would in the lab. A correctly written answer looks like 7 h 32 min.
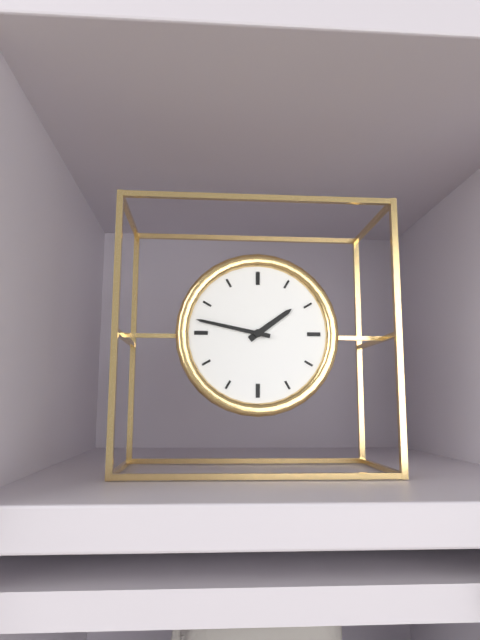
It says 1 h 47 min
